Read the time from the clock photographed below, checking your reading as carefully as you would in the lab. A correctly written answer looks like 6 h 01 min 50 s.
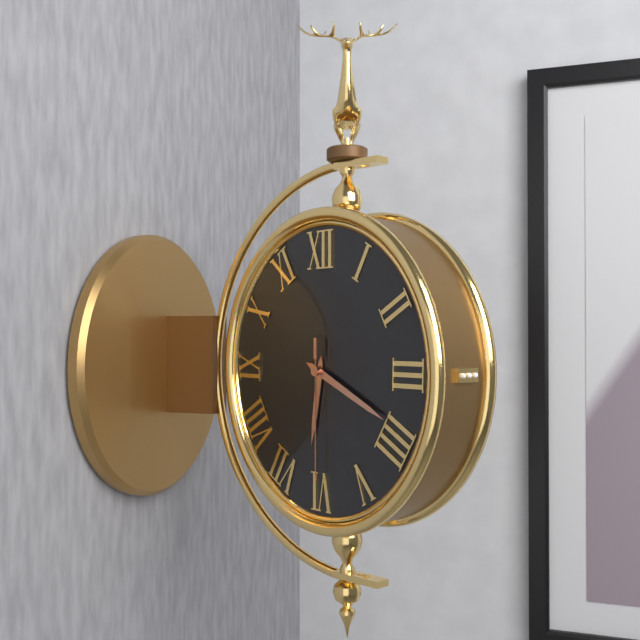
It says 6 h 19 min 30 s
